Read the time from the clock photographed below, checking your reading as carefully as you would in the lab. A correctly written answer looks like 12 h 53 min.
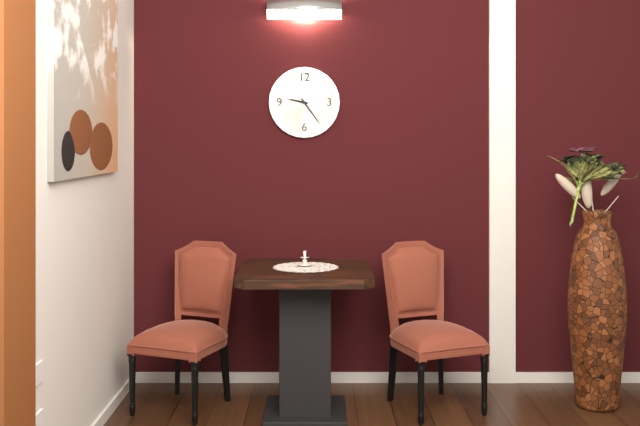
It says 9 h 24 min
